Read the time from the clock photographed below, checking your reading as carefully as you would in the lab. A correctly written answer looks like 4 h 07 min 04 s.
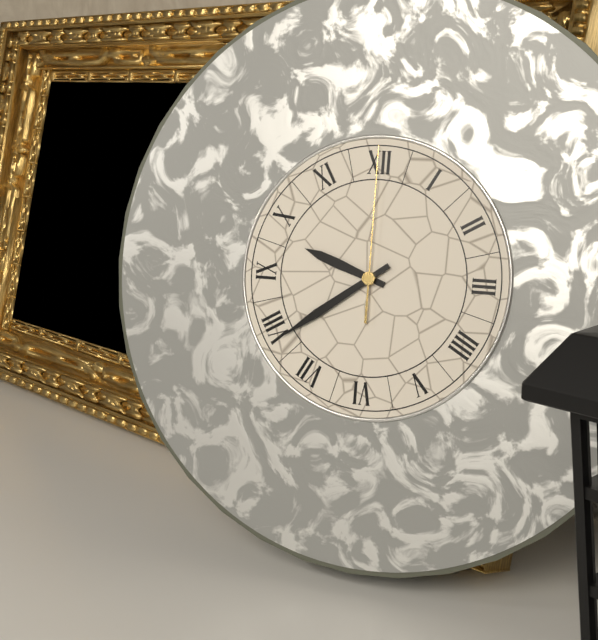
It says 9 h 39 min 00 s
